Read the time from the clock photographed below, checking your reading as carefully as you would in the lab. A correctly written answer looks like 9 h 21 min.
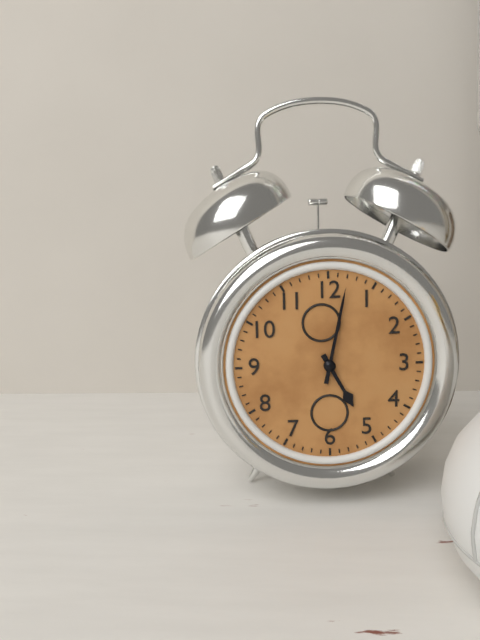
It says 5 h 02 min
